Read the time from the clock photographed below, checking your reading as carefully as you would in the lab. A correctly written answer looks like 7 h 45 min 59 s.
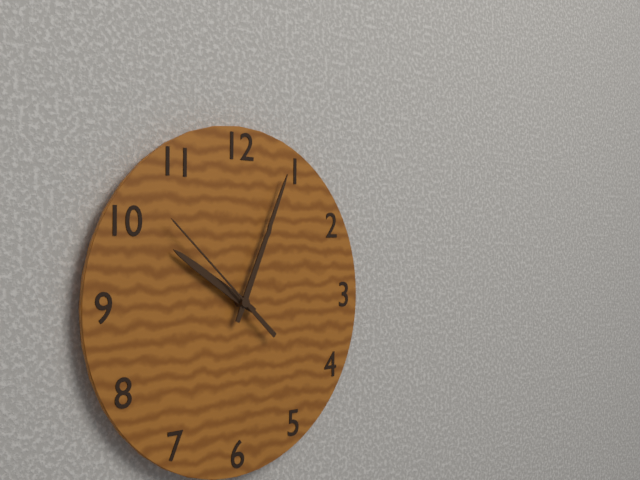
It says 10 h 04 min 52 s
